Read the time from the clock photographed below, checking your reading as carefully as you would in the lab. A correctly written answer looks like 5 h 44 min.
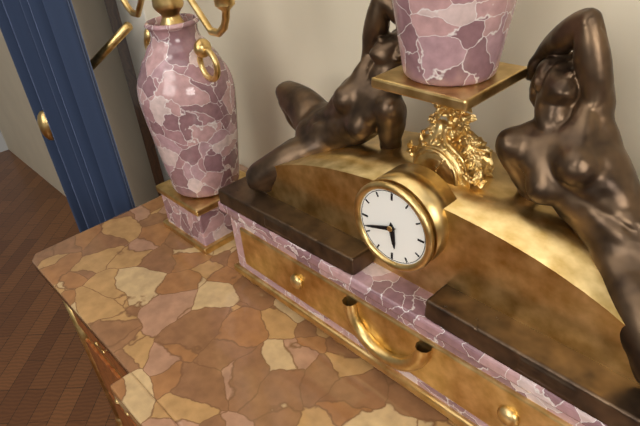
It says 5 h 42 min
